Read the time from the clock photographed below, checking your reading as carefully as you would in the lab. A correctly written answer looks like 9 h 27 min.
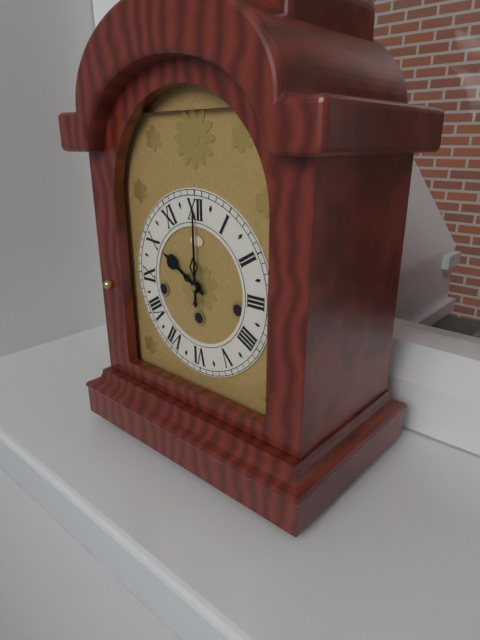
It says 10 h 00 min
